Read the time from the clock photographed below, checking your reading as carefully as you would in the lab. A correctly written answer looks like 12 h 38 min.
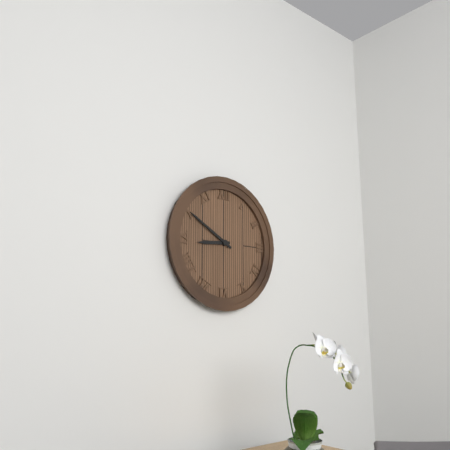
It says 8 h 50 min
